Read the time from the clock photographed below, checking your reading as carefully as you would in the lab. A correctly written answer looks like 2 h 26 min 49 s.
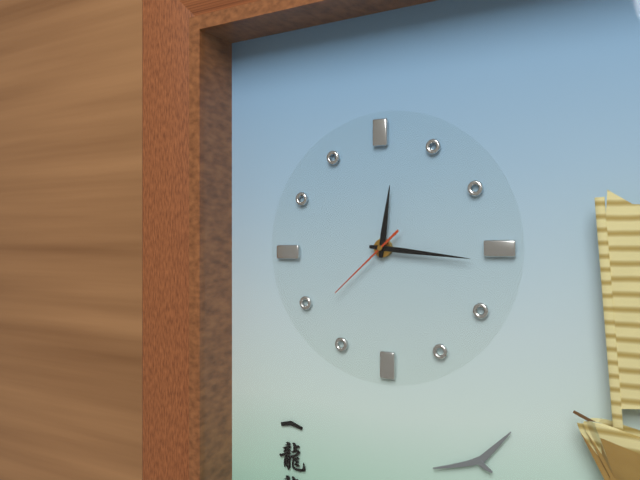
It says 12 h 16 min 38 s
